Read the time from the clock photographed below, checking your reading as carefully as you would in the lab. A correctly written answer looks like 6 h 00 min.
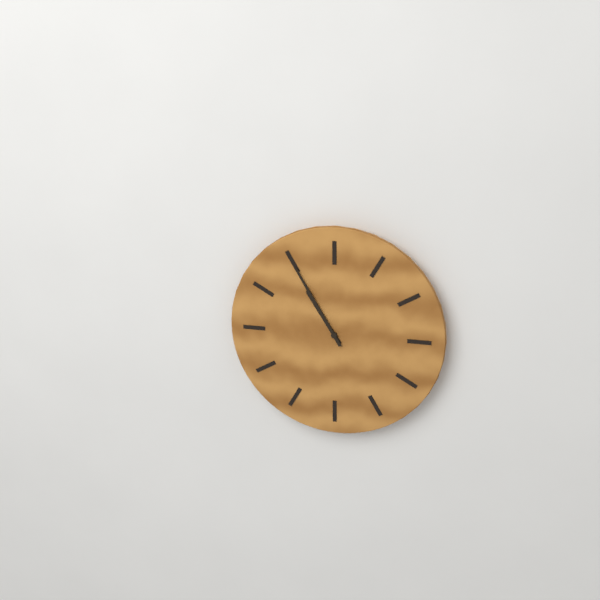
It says 10 h 55 min
